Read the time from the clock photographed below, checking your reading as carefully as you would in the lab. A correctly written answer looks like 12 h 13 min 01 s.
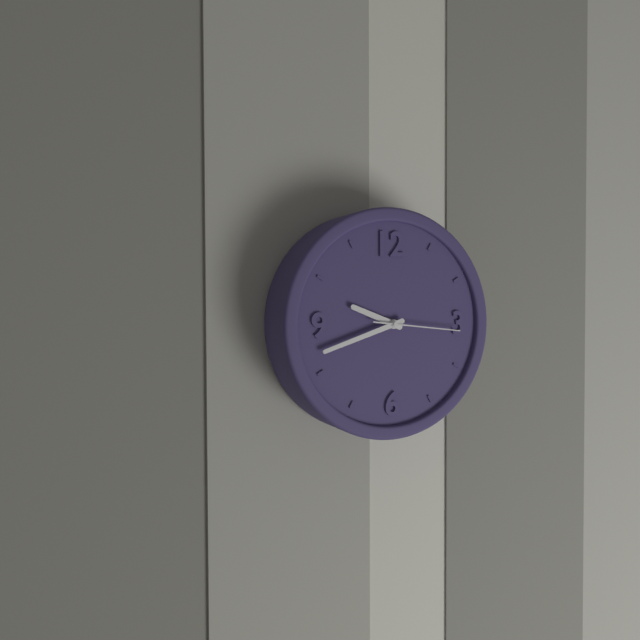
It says 9 h 42 min 16 s
